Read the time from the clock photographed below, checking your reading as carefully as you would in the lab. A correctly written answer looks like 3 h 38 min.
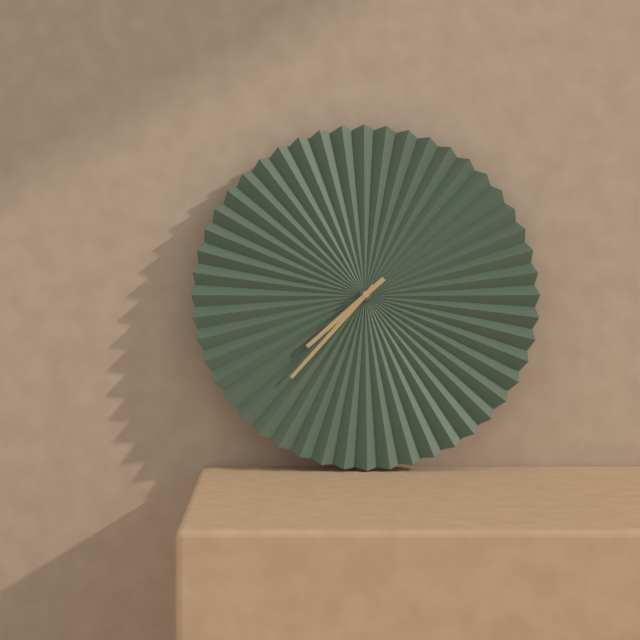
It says 7 h 37 min
